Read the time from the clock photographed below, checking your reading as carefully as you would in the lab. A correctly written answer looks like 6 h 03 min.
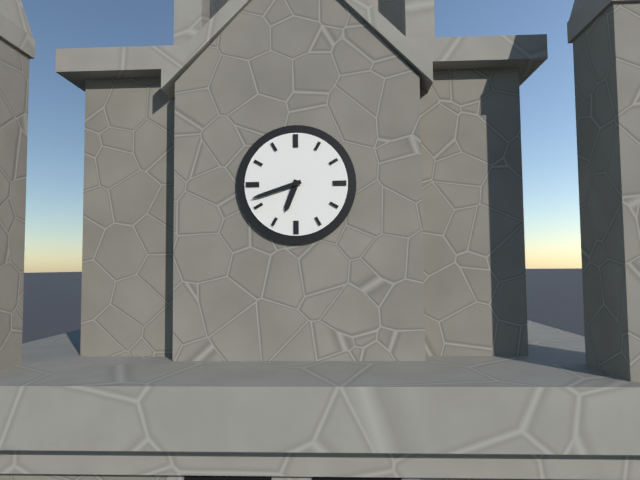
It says 6 h 42 min
